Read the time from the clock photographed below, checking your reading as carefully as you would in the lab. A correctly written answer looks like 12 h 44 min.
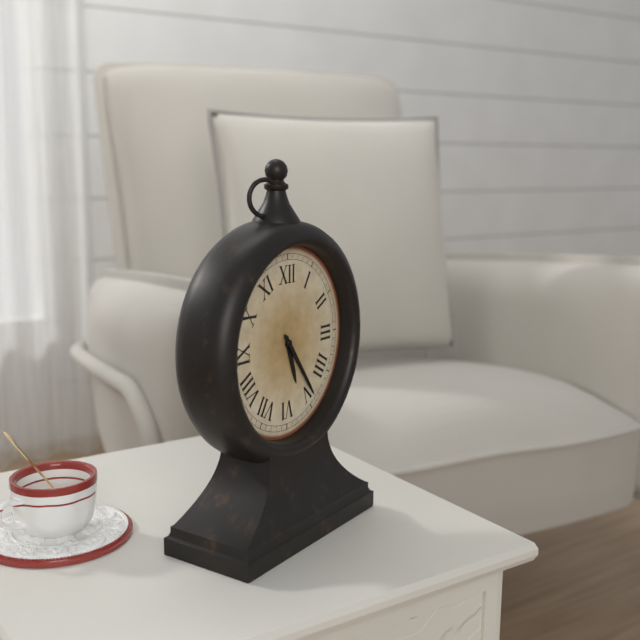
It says 5 h 24 min
